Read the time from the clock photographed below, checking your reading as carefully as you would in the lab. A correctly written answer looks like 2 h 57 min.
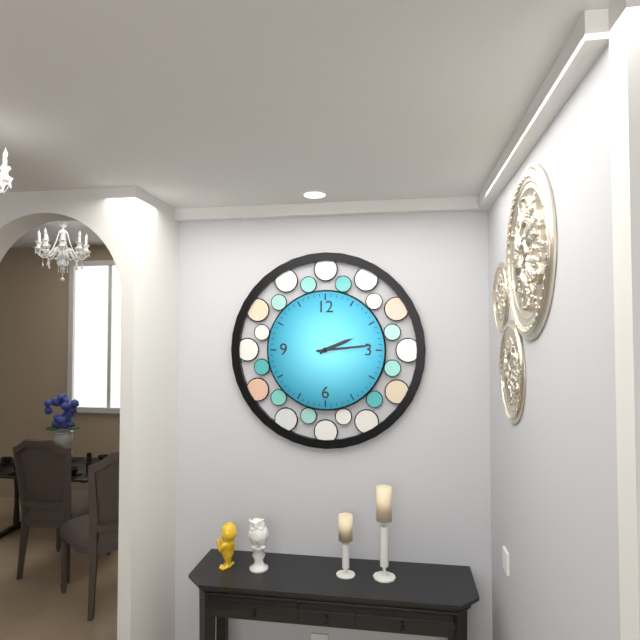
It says 2 h 14 min
